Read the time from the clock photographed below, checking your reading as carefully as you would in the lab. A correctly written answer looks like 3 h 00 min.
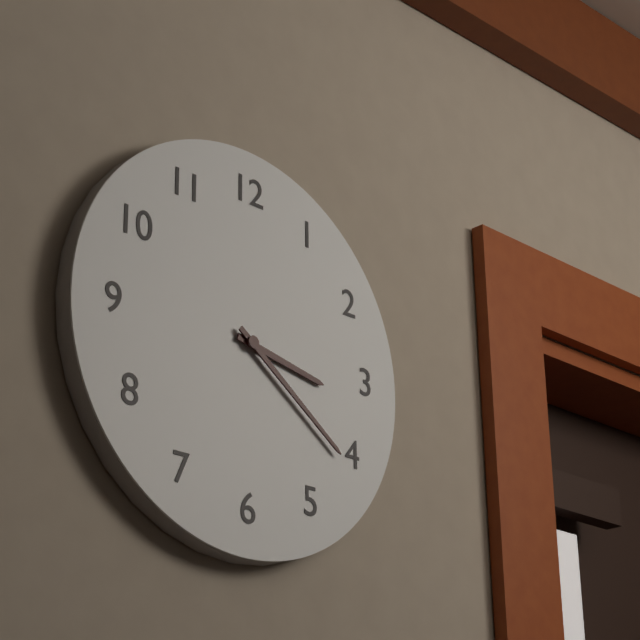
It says 3 h 21 min
